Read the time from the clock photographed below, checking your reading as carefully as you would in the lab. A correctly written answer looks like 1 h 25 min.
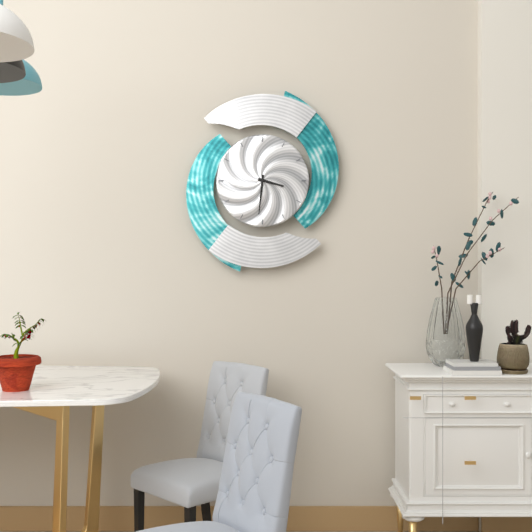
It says 3 h 31 min
